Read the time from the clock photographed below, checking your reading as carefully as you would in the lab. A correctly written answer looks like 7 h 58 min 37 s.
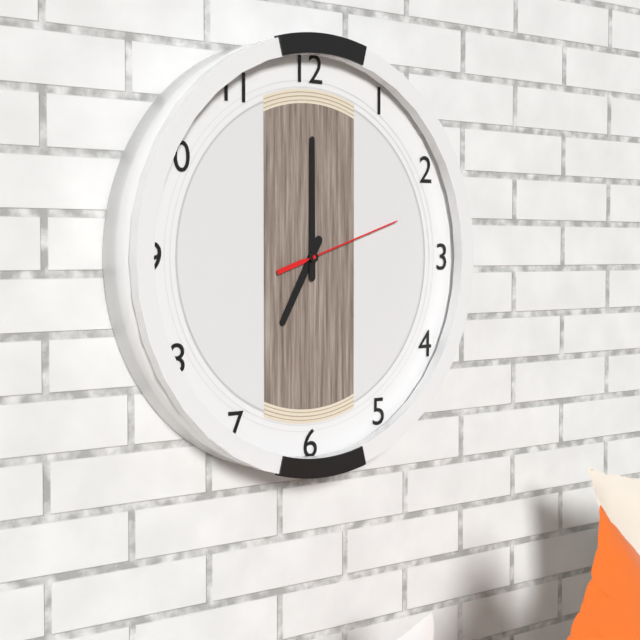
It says 7 h 00 min 12 s
